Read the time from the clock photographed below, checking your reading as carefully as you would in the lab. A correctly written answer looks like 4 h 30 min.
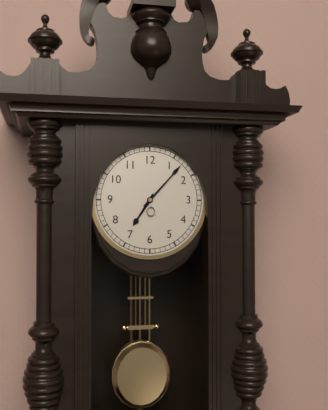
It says 7 h 07 min
